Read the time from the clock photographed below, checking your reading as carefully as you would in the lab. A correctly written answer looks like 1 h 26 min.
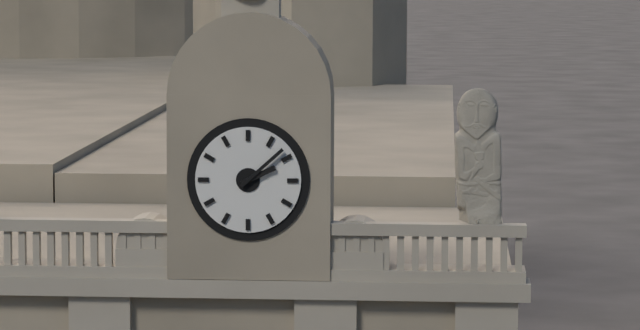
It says 2 h 08 min
